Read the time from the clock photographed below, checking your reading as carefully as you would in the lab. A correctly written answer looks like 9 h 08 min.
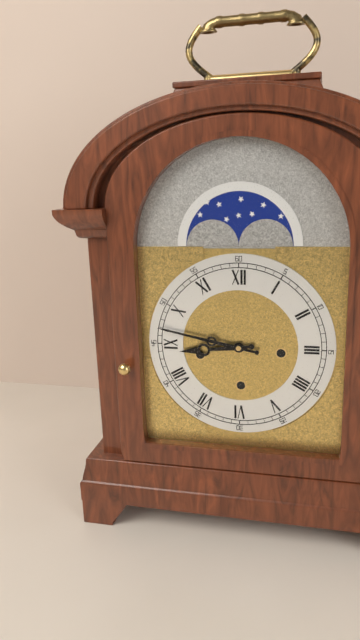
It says 8 h 47 min
